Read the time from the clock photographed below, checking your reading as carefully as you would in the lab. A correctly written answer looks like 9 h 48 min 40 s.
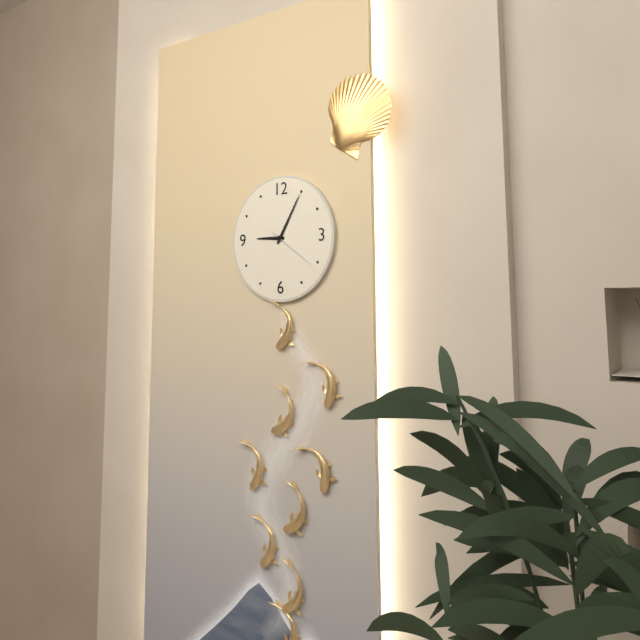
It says 9 h 05 min 21 s
